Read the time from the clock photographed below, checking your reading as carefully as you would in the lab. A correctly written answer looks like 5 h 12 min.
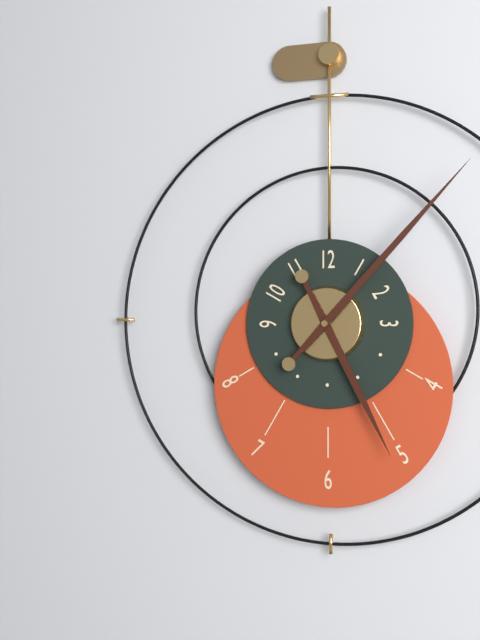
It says 5 h 07 min
